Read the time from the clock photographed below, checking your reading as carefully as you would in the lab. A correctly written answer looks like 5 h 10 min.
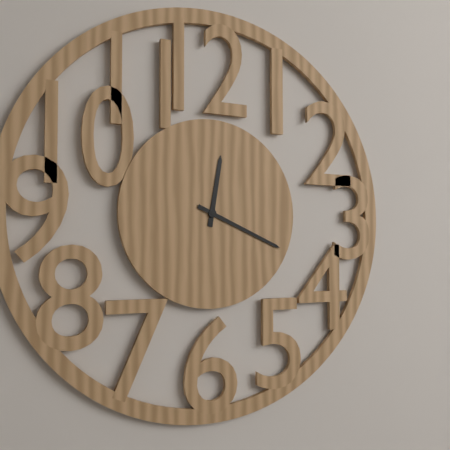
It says 12 h 19 min
